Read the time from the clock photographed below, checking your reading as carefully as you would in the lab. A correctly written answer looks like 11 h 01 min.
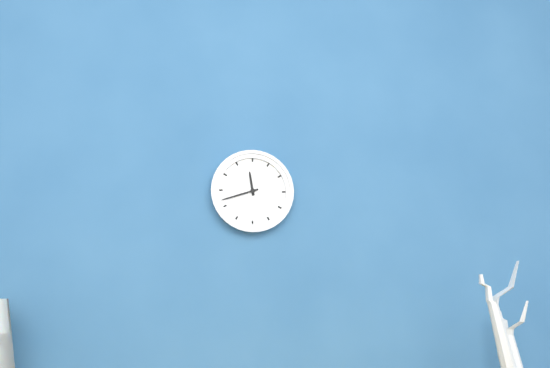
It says 11 h 42 min
